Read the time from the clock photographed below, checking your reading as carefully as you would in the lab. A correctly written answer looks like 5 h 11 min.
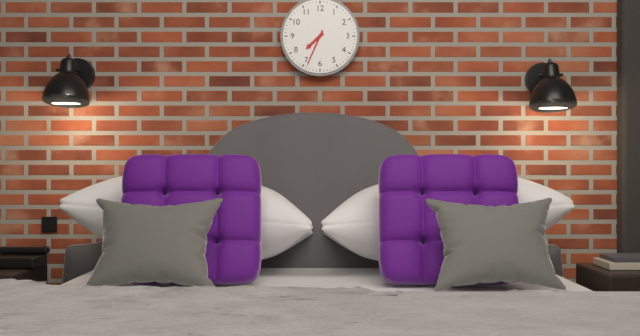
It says 7 h 34 min
